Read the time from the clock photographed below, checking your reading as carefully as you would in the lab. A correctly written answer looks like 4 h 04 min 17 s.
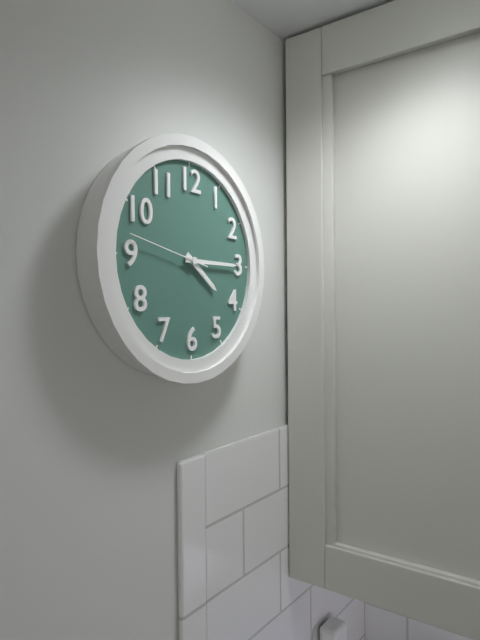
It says 4 h 15 min 47 s
